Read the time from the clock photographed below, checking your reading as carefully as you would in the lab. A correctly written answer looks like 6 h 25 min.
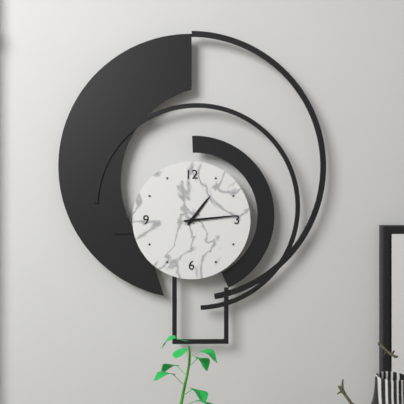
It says 1 h 14 min
